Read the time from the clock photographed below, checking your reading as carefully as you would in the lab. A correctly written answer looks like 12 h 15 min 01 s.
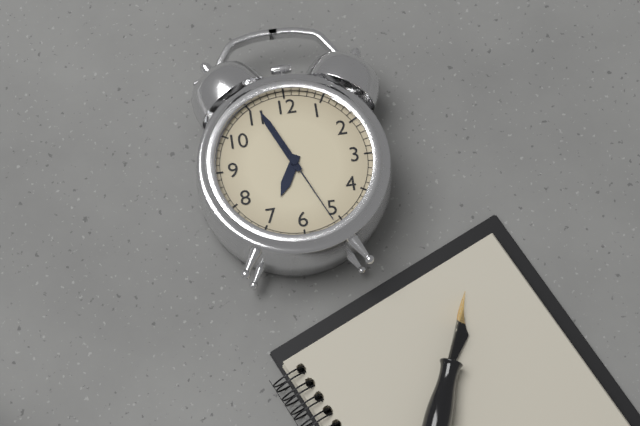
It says 6 h 56 min 26 s
